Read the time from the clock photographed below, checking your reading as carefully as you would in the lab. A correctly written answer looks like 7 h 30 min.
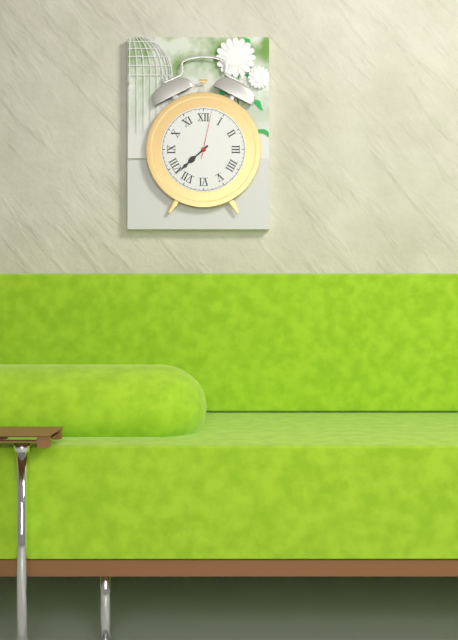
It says 7 h 38 min
